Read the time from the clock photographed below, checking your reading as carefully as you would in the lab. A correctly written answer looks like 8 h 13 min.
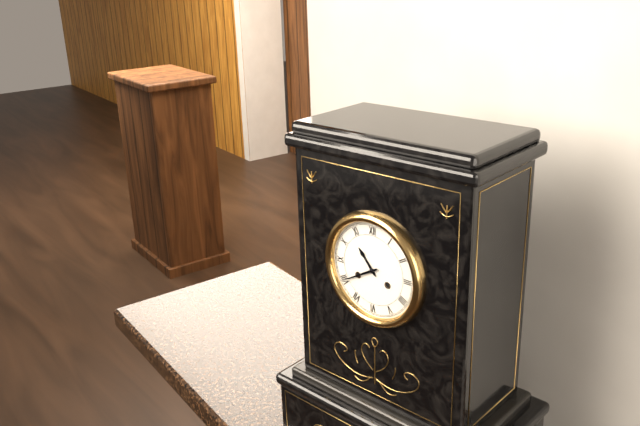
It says 10 h 40 min
